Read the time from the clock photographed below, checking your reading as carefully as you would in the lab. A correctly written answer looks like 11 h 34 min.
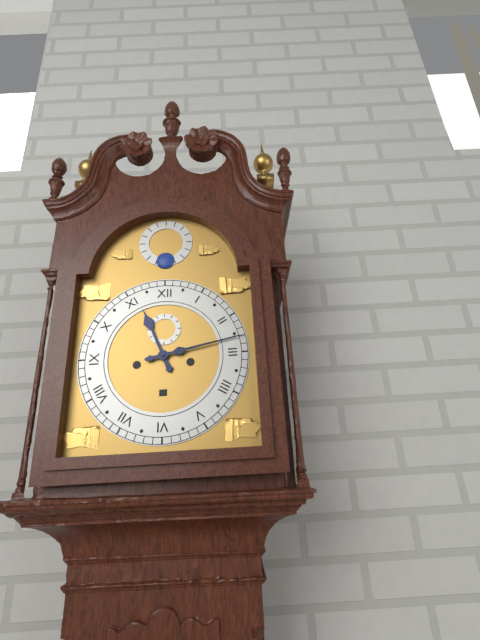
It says 11 h 13 min
